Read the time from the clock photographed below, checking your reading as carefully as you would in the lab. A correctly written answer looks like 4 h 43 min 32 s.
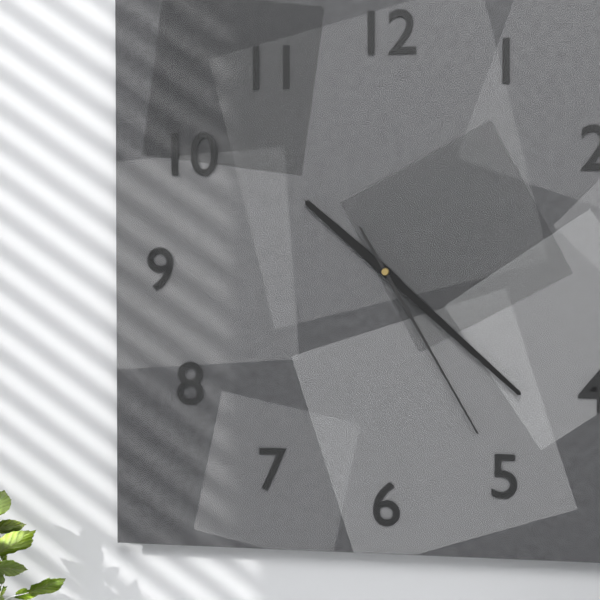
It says 10 h 22 min 25 s
